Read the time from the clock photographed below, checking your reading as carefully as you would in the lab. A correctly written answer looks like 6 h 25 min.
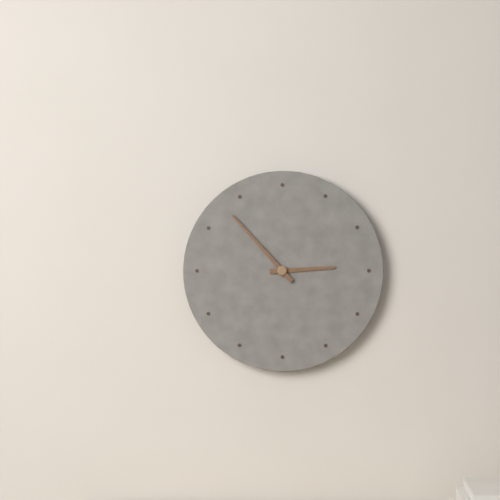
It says 2 h 53 min
